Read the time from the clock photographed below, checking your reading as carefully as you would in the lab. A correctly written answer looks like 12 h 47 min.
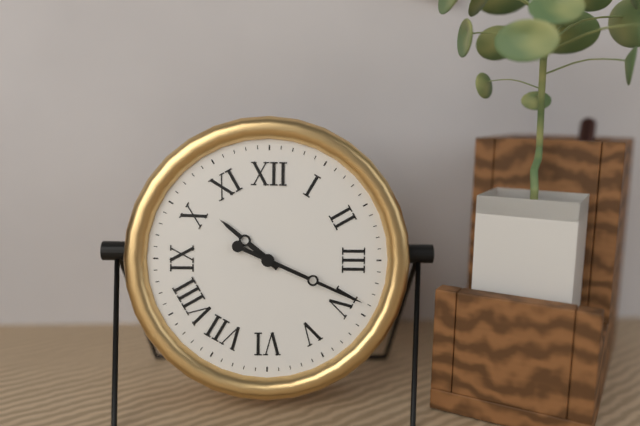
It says 10 h 19 min
